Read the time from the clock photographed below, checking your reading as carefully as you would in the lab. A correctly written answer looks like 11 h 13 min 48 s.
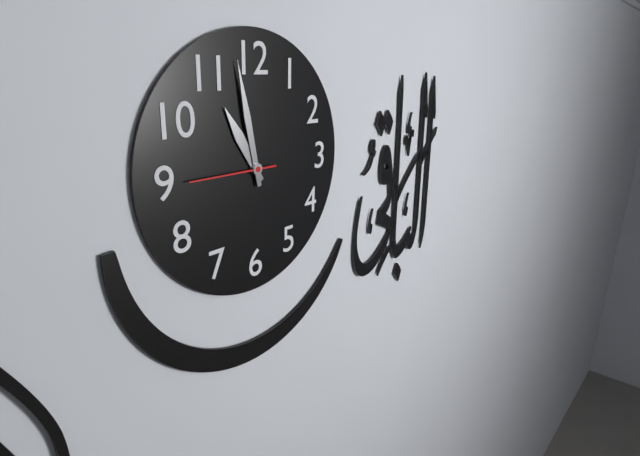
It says 10 h 58 min 45 s
